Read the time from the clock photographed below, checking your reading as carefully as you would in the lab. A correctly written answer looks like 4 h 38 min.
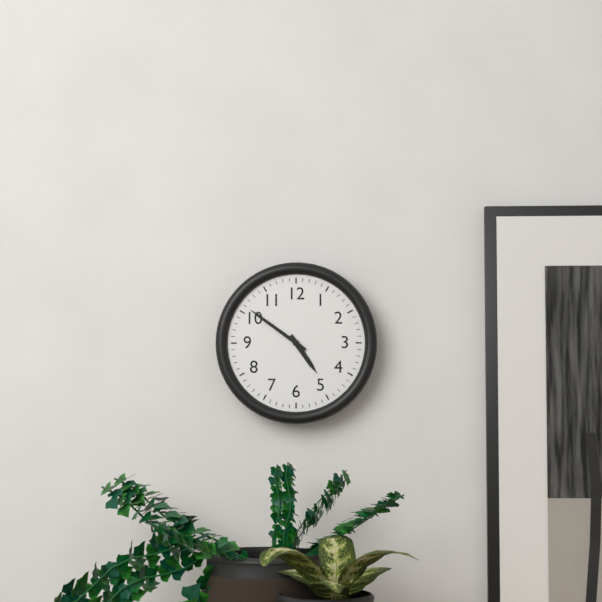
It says 4 h 51 min
